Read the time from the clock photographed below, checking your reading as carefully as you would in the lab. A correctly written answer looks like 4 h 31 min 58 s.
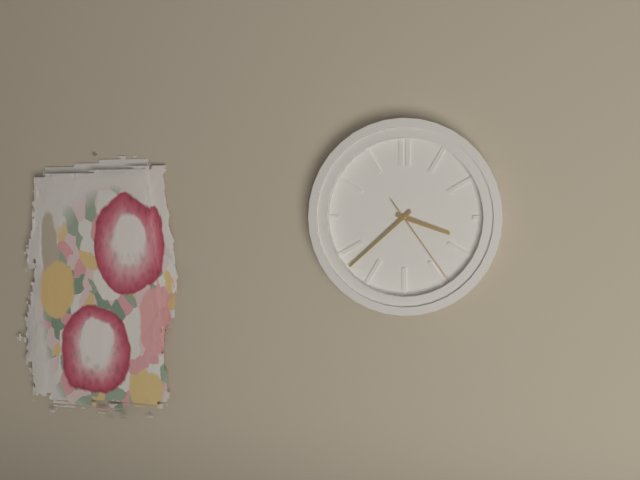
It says 3 h 38 min 24 s
